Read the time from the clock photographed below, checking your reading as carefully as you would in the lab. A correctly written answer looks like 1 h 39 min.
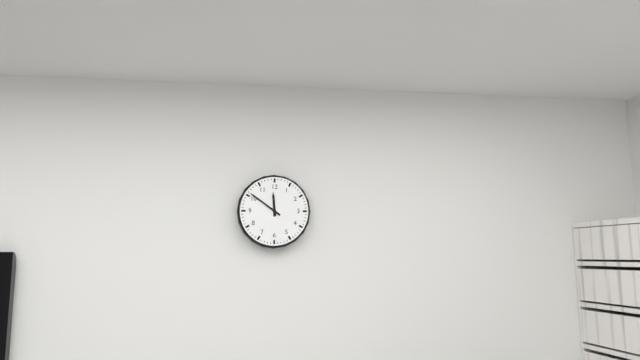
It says 11 h 51 min
